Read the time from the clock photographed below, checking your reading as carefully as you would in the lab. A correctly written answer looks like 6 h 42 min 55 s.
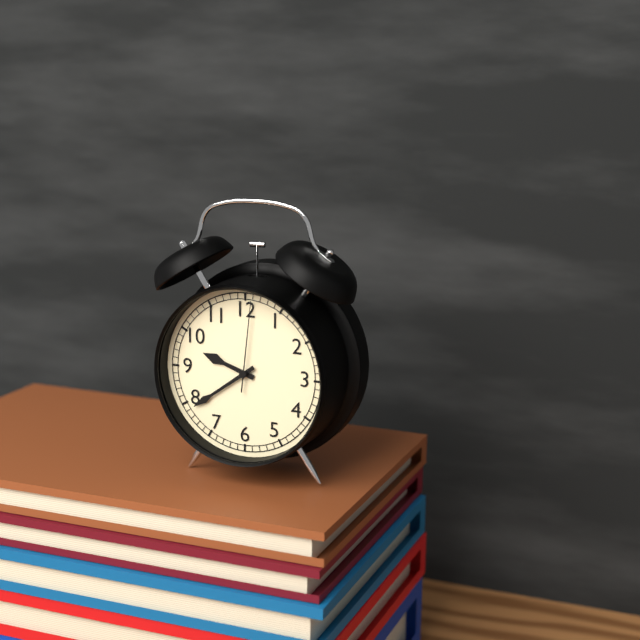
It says 9 h 39 min 01 s
